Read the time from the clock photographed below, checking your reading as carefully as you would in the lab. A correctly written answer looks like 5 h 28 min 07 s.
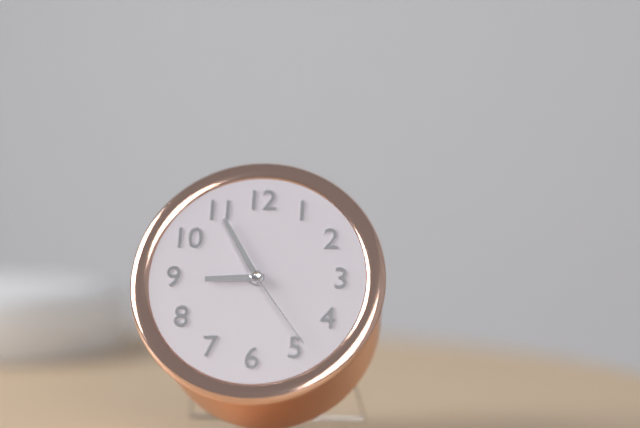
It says 8 h 55 min 24 s
